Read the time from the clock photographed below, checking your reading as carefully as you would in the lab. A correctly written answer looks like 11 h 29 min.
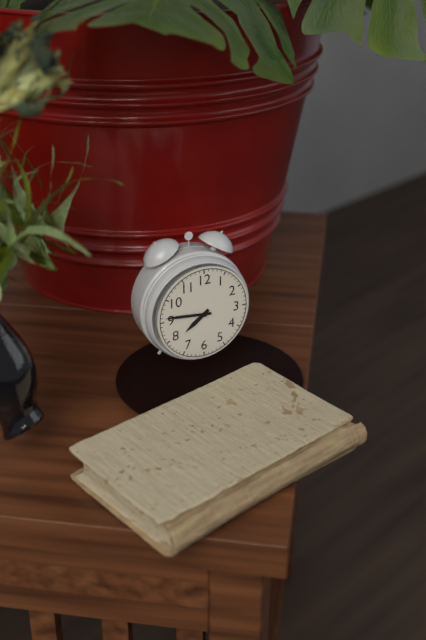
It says 7 h 46 min
